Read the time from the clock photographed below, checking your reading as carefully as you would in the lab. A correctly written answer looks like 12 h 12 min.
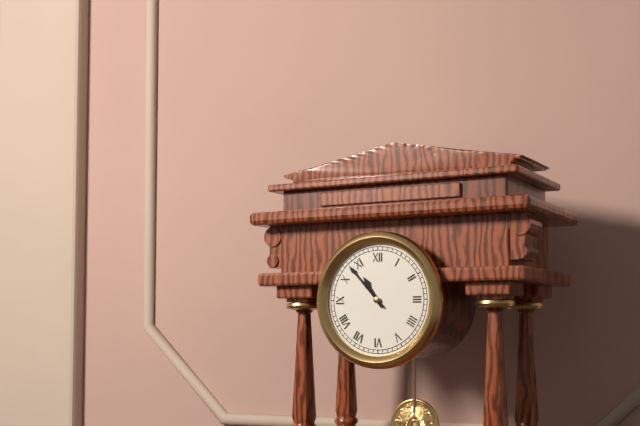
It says 10 h 53 min
